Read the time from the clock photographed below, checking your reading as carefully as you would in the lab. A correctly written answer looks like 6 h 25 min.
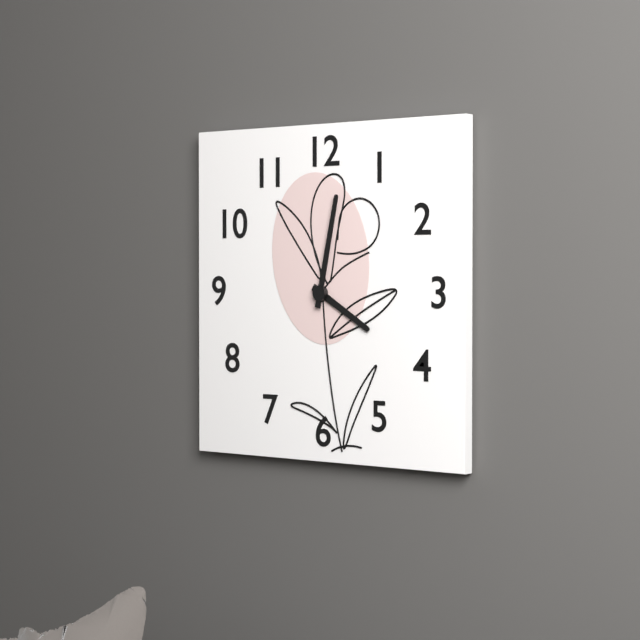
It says 4 h 02 min
